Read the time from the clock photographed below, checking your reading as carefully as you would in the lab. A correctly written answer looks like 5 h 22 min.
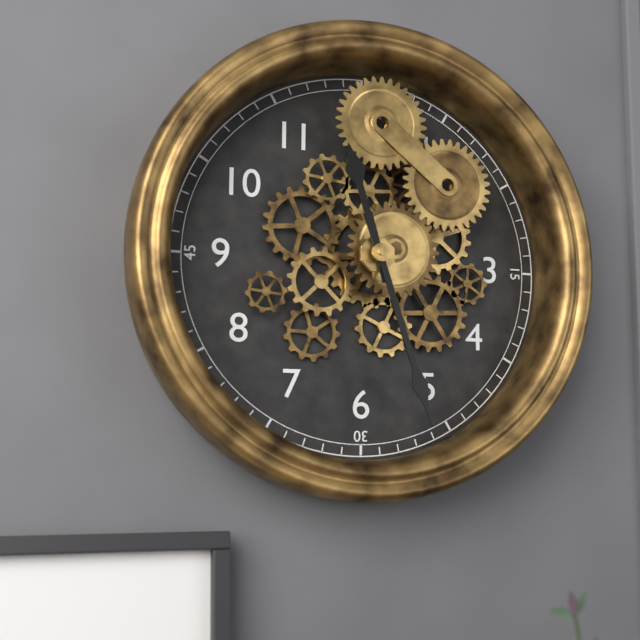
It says 11 h 27 min
